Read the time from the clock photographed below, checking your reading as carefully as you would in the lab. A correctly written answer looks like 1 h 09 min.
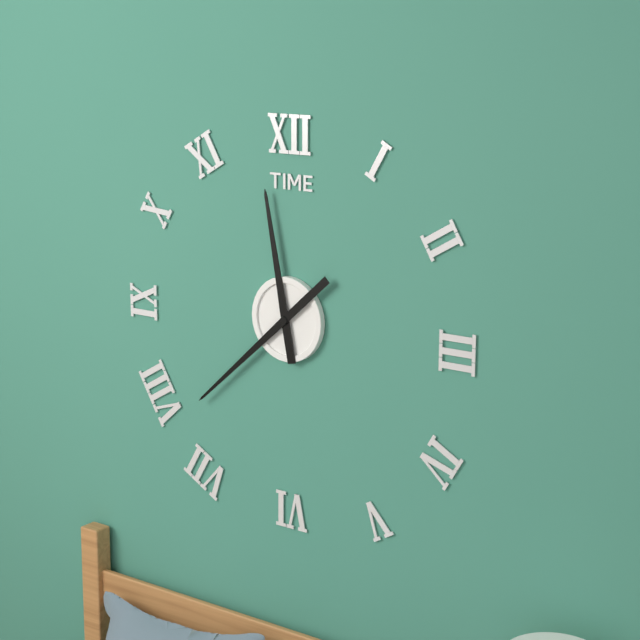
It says 11 h 38 min
